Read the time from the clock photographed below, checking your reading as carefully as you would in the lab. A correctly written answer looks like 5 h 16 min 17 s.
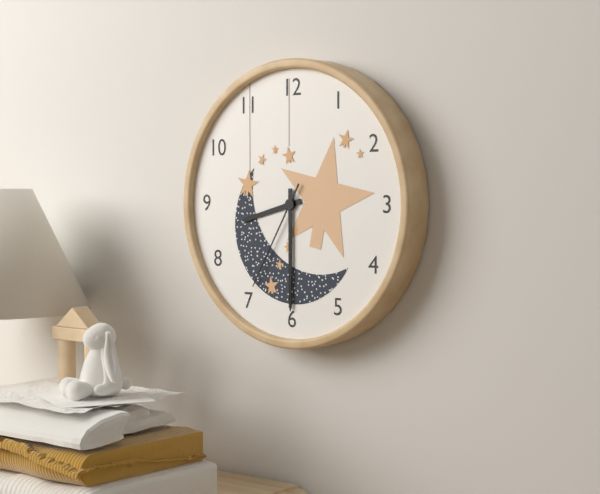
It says 8 h 30 min 35 s
